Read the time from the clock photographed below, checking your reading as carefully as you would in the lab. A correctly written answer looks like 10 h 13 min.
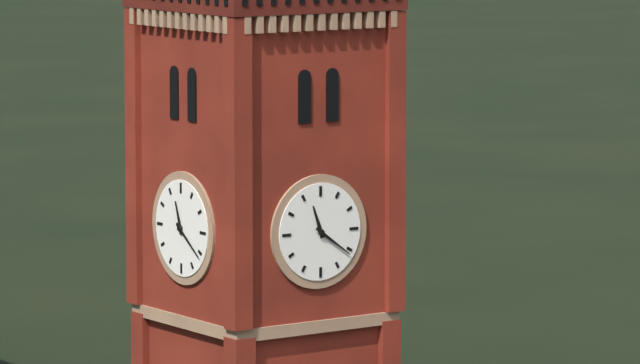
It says 11 h 21 min
